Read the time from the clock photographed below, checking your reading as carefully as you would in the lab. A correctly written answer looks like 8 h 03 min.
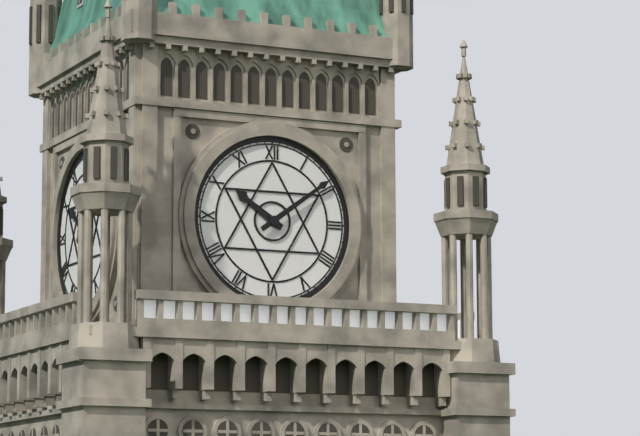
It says 10 h 09 min
